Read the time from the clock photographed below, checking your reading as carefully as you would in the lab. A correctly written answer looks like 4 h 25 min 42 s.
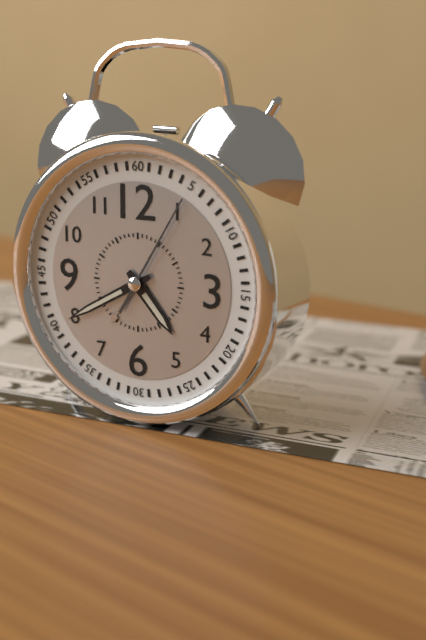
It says 4 h 40 min 05 s
